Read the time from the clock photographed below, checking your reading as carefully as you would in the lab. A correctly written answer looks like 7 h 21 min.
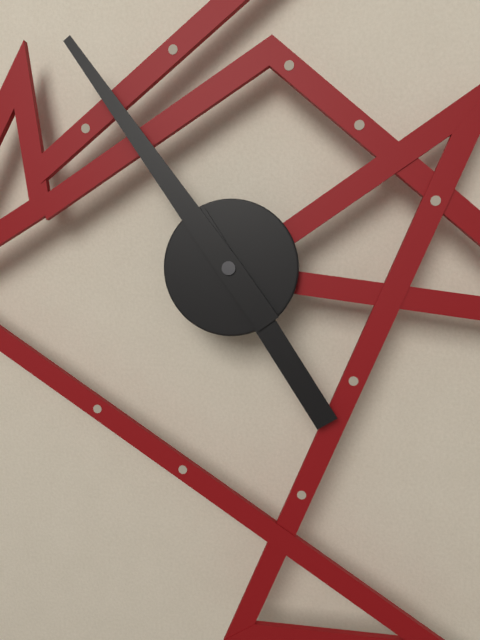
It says 4 h 54 min
